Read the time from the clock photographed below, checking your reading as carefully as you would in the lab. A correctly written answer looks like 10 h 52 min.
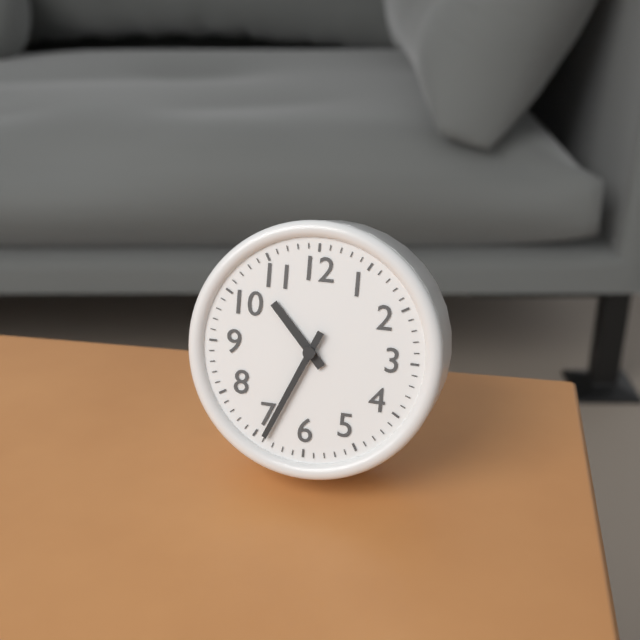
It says 10 h 34 min
